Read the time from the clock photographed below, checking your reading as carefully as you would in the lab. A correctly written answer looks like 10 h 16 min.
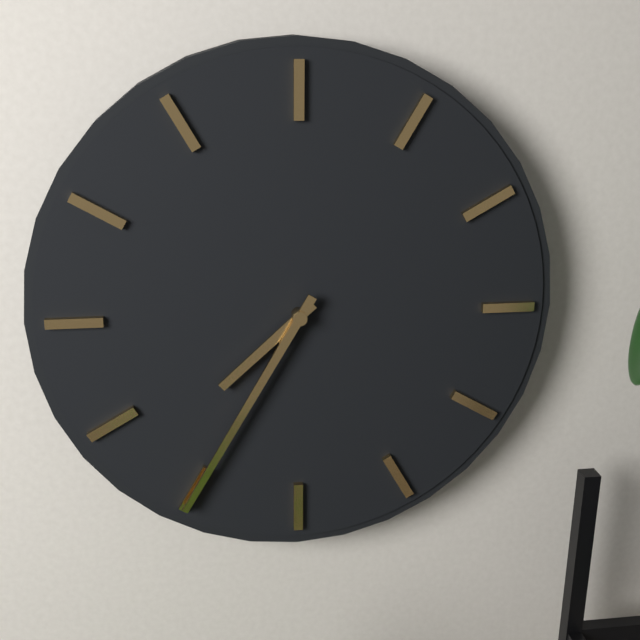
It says 7 h 35 min
